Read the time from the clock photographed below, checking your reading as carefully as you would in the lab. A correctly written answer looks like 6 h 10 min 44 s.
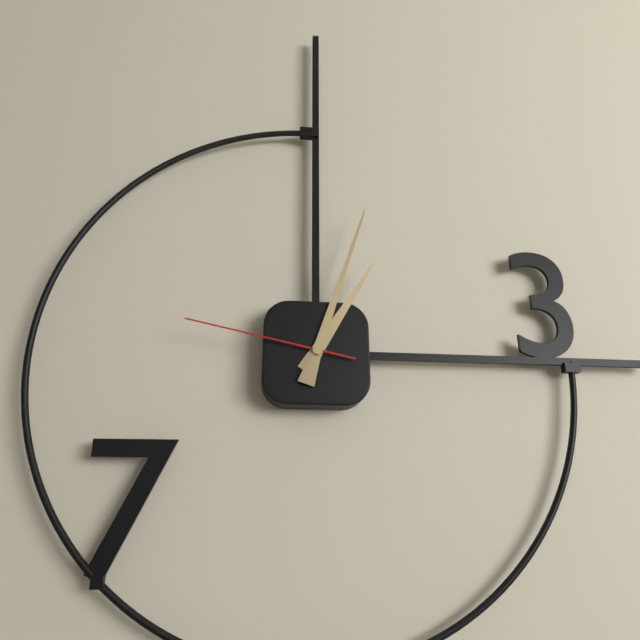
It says 1 h 03 min 47 s
